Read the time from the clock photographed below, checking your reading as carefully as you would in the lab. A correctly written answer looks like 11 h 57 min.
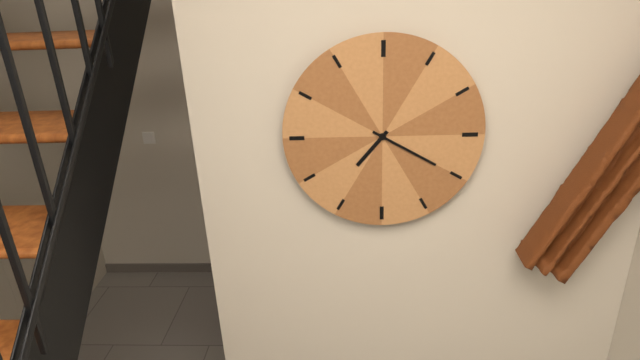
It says 7 h 20 min
